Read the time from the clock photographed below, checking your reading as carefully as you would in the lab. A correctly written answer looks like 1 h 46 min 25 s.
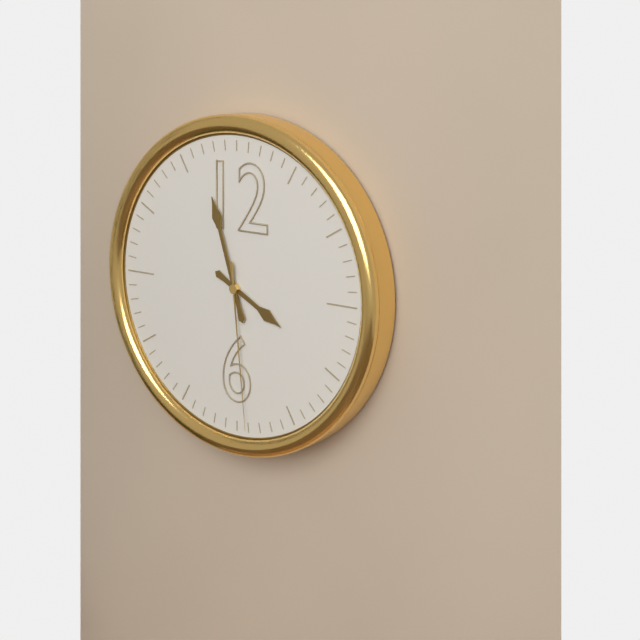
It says 3 h 57 min 29 s
